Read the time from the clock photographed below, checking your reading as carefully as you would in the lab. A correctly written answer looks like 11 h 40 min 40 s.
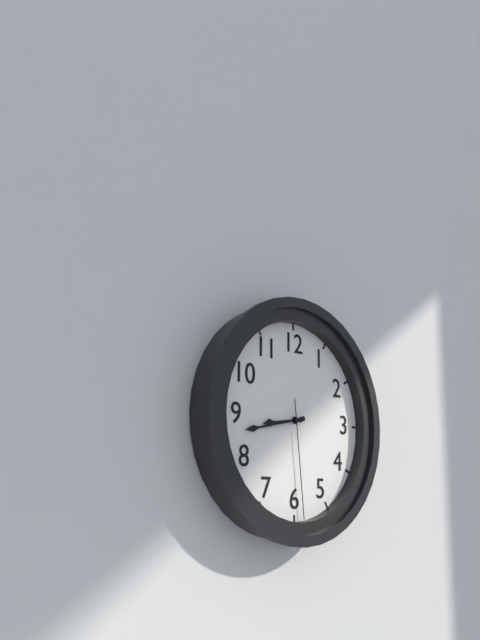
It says 8 h 43 min 29 s
